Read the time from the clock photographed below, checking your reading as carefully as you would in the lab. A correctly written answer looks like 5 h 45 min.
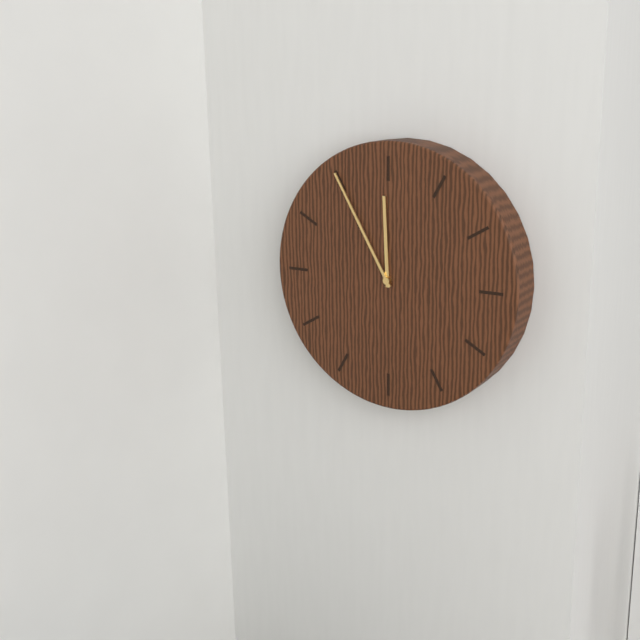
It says 11 h 55 min
